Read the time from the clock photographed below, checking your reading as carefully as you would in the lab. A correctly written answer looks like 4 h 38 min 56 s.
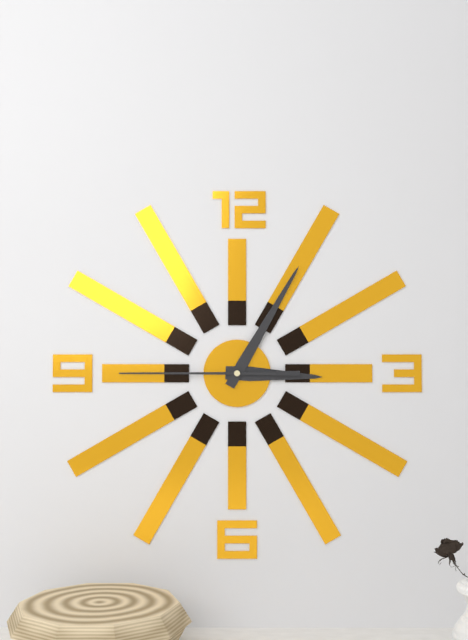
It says 3 h 05 min 45 s
